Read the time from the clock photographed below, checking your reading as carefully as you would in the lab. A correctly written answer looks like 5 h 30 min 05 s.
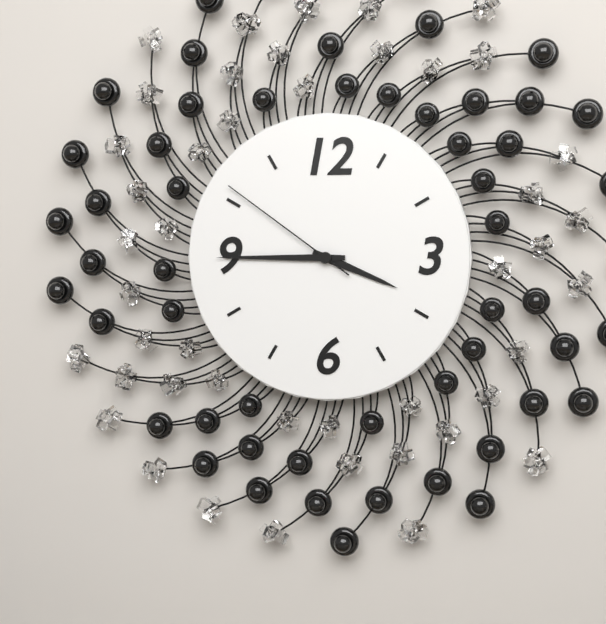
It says 3 h 45 min 51 s
